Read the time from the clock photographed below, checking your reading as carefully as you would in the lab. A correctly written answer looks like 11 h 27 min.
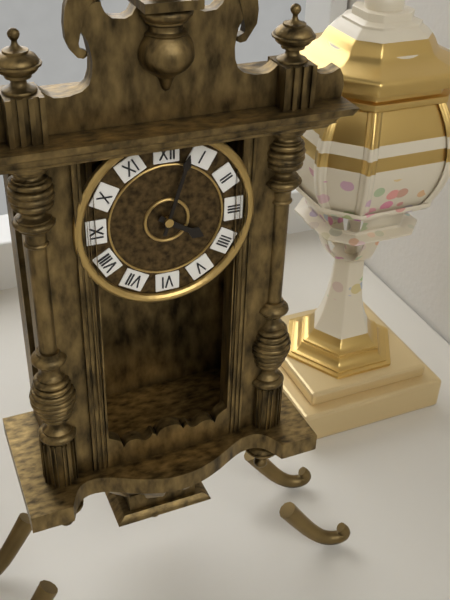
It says 4 h 03 min
